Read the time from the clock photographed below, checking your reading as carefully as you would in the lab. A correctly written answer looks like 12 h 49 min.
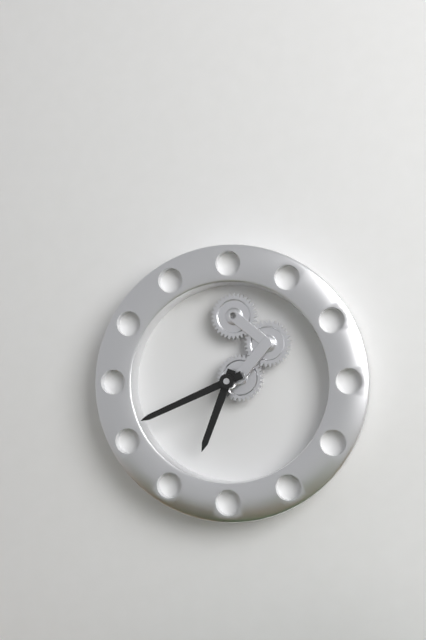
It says 6 h 41 min
